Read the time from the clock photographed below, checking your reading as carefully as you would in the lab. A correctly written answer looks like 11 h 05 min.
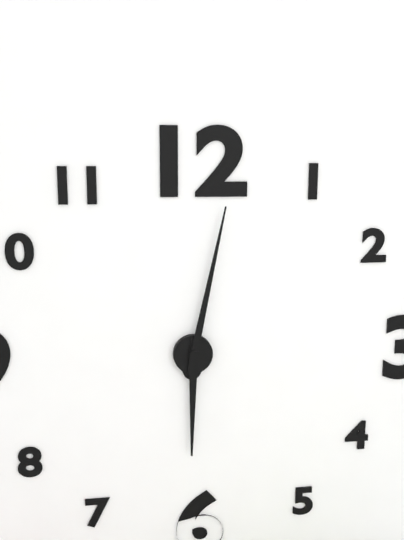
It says 6 h 02 min
